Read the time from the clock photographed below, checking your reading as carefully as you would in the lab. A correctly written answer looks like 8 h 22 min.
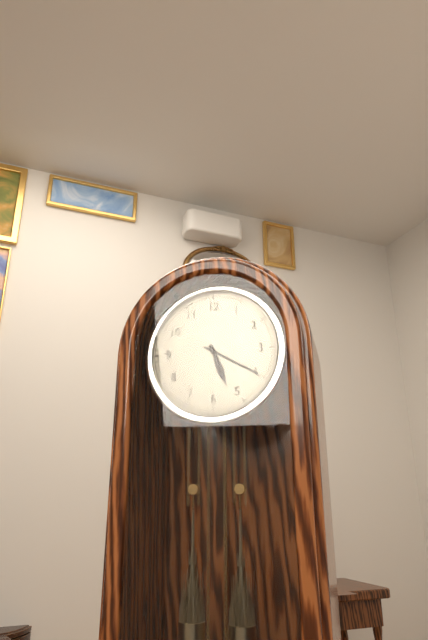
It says 5 h 20 min
